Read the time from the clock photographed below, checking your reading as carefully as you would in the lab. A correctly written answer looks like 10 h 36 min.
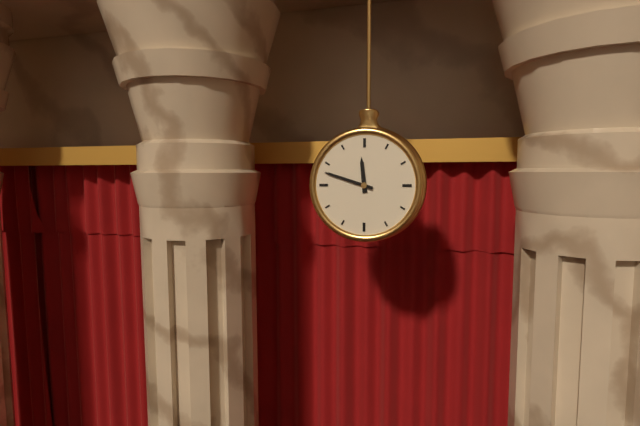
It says 11 h 48 min
